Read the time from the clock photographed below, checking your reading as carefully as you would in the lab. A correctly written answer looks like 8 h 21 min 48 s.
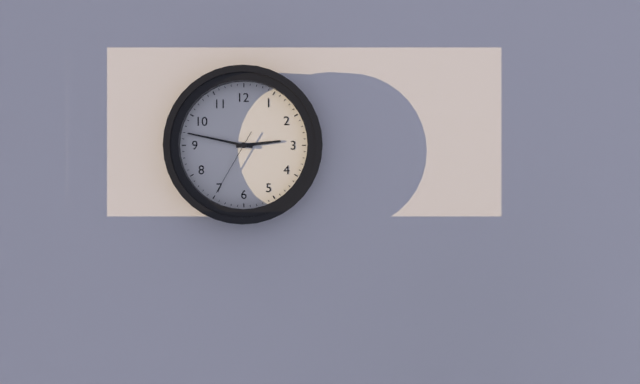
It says 2 h 47 min 35 s
